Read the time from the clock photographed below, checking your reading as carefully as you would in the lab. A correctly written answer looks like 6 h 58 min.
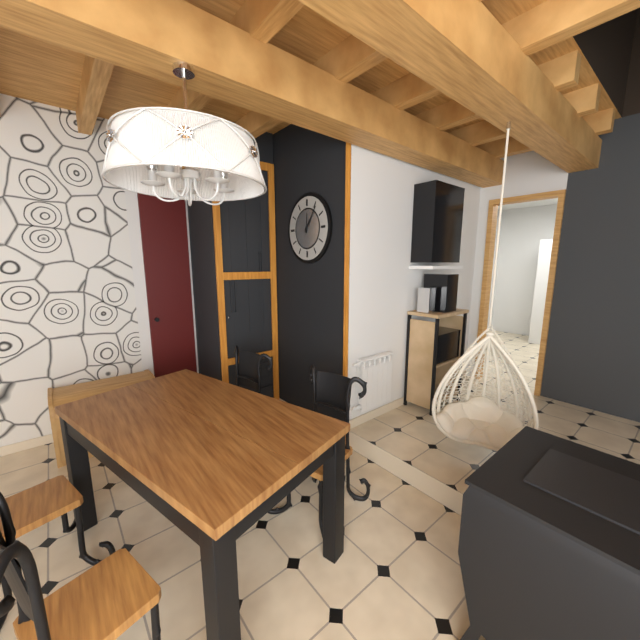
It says 12 h 06 min
